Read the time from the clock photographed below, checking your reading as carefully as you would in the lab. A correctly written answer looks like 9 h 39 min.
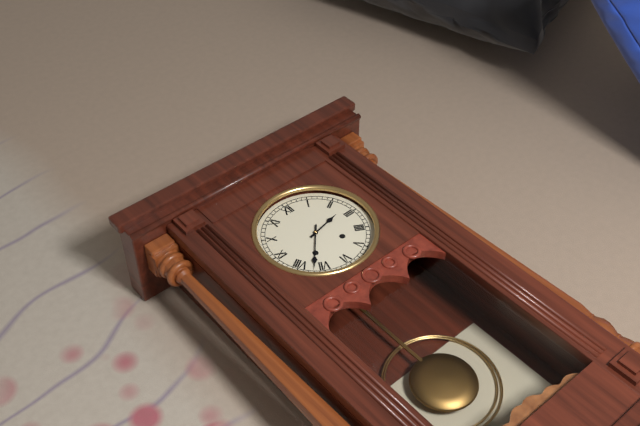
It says 2 h 37 min
